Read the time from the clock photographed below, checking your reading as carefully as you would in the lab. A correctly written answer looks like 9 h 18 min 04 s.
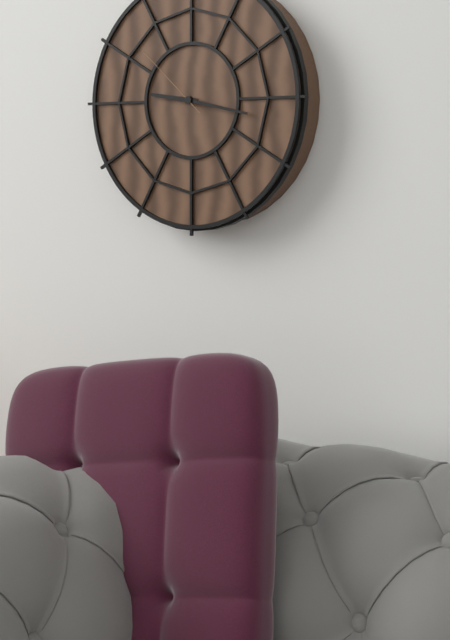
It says 9 h 17 min 52 s
